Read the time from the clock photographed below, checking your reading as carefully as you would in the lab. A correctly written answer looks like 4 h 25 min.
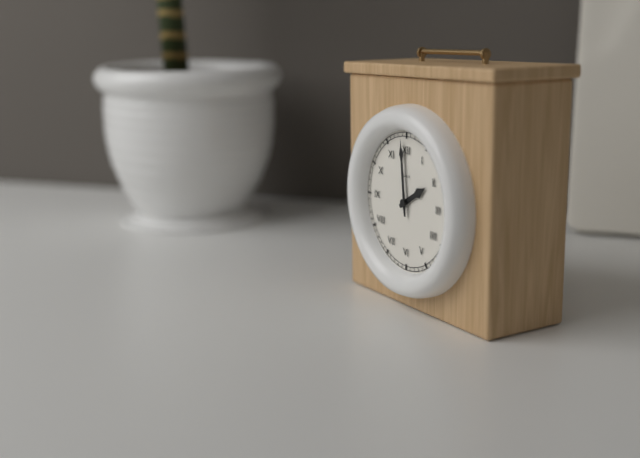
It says 1 h 59 min
